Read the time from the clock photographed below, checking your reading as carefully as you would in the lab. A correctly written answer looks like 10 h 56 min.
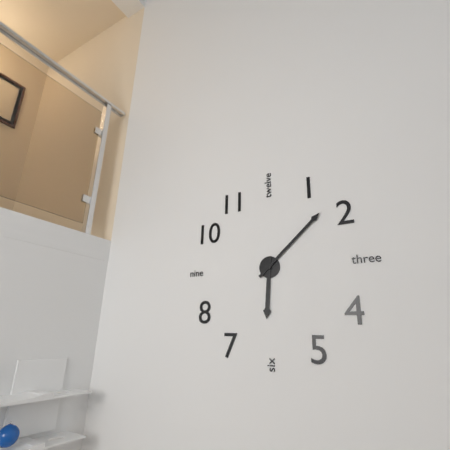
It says 6 h 08 min
